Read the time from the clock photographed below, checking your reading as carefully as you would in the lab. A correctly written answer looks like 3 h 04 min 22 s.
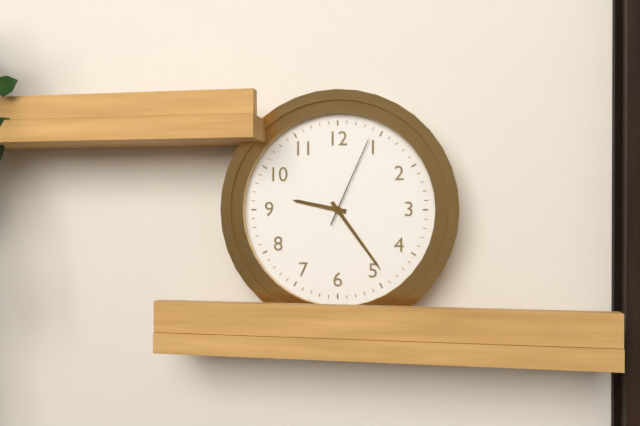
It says 9 h 24 min 04 s
